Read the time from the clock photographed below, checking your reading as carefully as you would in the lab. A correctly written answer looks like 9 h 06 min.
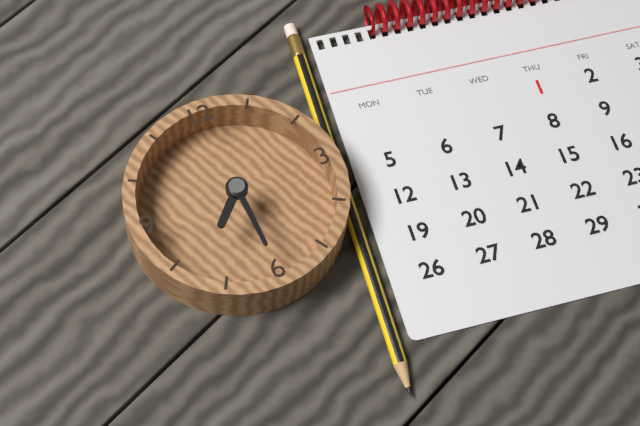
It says 7 h 30 min
